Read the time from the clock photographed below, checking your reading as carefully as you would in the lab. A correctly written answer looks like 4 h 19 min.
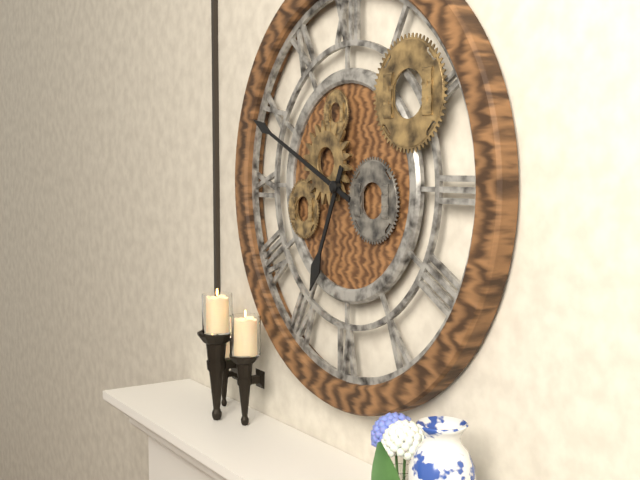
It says 6 h 49 min
